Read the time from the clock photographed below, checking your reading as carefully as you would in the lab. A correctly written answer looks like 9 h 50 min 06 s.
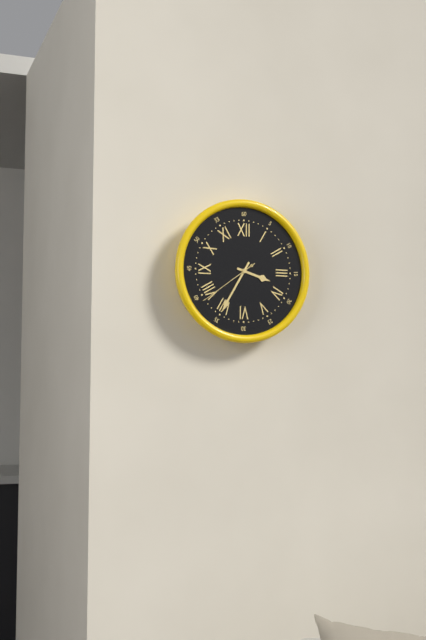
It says 3 h 35 min 39 s
